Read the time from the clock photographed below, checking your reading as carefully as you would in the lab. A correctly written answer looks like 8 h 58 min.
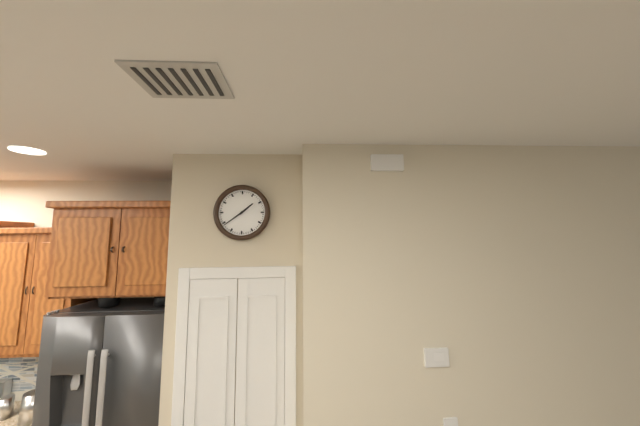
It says 1 h 39 min
